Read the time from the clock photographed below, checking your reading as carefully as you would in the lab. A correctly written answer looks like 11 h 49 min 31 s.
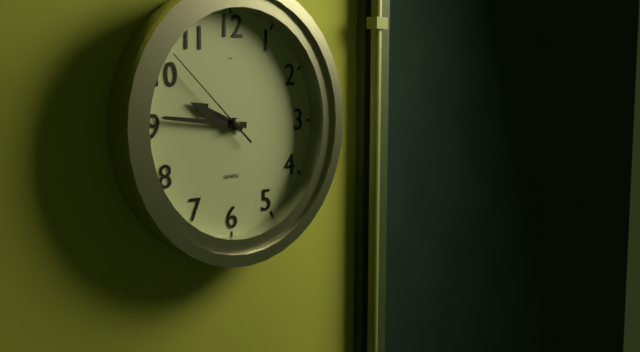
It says 9 h 46 min 52 s
